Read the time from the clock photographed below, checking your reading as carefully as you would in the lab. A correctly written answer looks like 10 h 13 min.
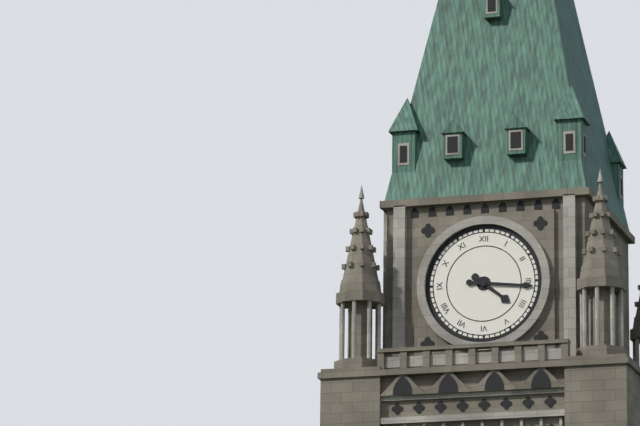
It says 4 h 16 min
